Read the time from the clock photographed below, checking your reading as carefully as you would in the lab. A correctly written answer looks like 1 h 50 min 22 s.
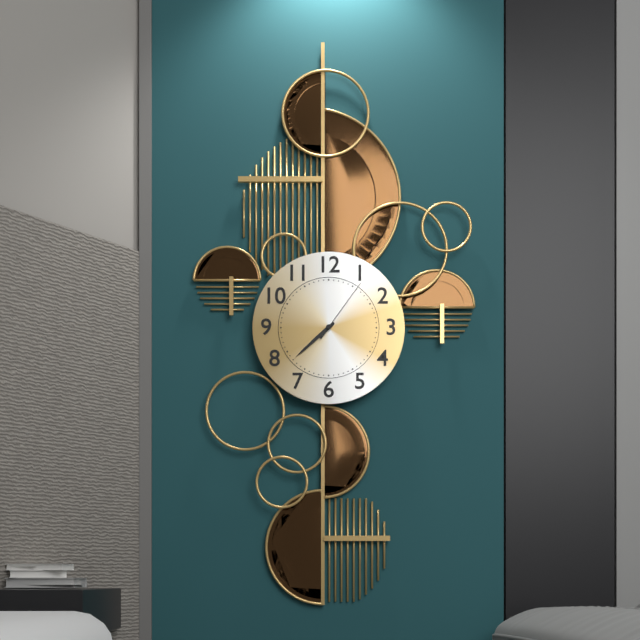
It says 7 h 38 min 06 s
